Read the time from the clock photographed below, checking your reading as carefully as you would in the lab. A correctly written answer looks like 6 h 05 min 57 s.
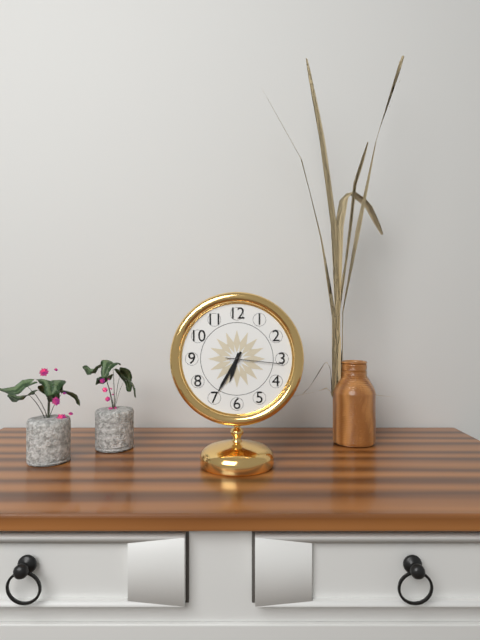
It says 6 h 35 min 16 s
